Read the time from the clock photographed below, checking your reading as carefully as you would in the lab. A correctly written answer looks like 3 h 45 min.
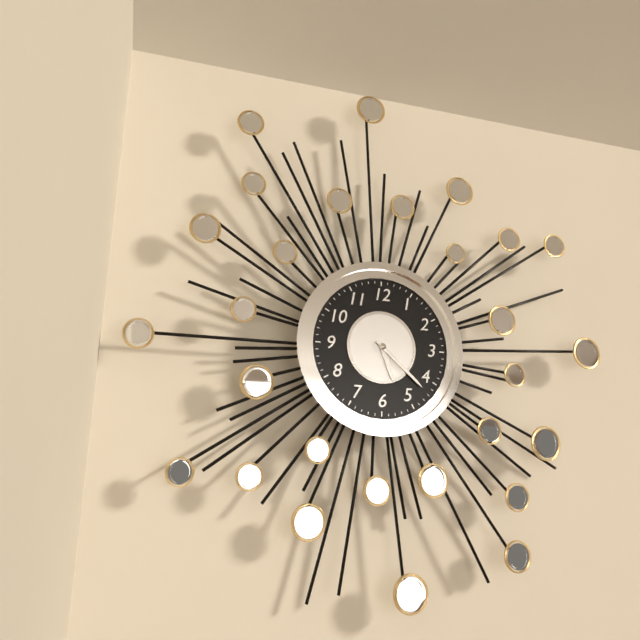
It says 5 h 22 min
